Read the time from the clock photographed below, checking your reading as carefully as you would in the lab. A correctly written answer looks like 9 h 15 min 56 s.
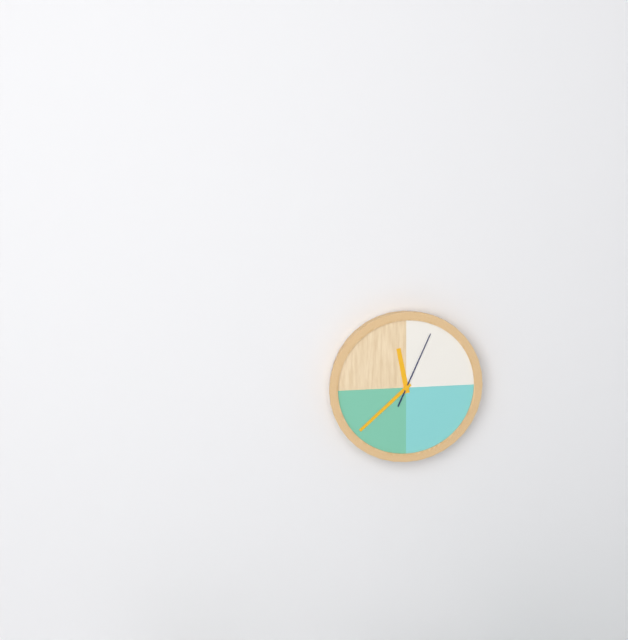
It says 11 h 38 min 04 s
